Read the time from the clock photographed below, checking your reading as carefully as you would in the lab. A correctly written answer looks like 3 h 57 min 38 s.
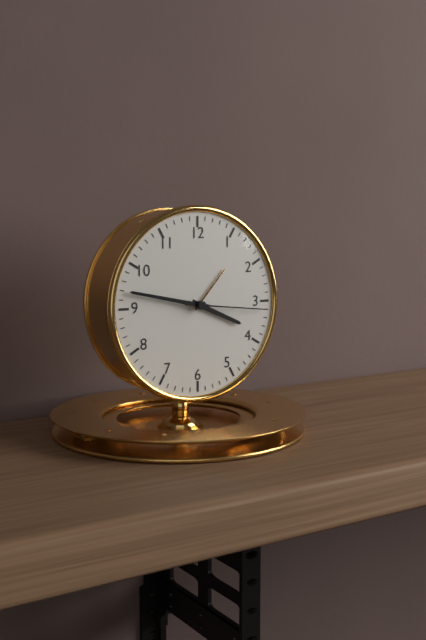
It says 3 h 47 min 16 s
